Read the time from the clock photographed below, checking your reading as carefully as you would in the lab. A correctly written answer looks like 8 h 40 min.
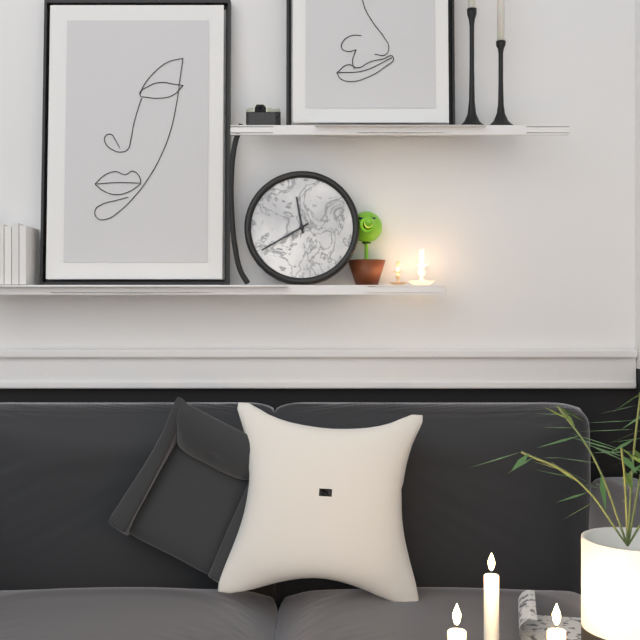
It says 11 h 40 min
